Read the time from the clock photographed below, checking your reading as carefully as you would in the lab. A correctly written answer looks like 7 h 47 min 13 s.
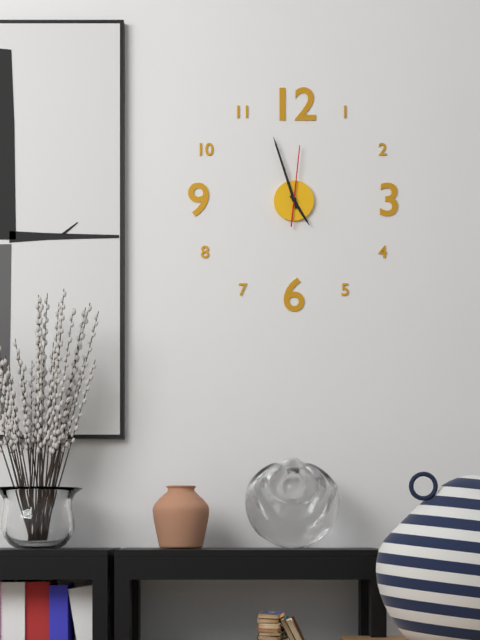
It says 4 h 57 min 01 s
